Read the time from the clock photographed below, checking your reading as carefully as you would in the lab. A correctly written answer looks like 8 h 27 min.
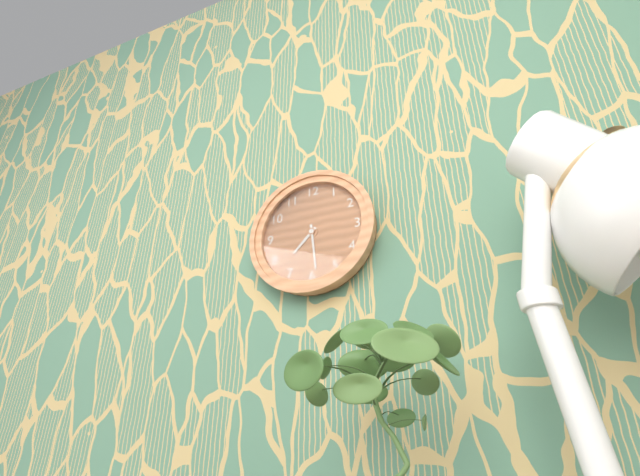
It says 7 h 29 min
